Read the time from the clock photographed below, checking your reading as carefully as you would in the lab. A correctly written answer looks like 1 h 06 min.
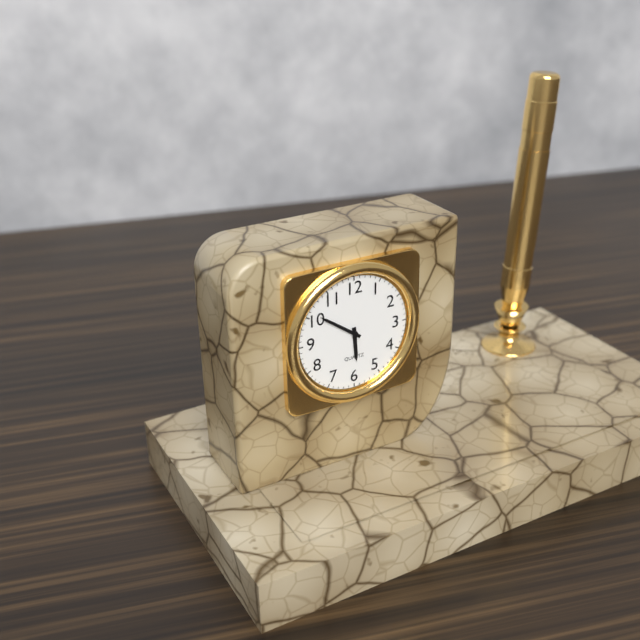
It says 5 h 51 min
